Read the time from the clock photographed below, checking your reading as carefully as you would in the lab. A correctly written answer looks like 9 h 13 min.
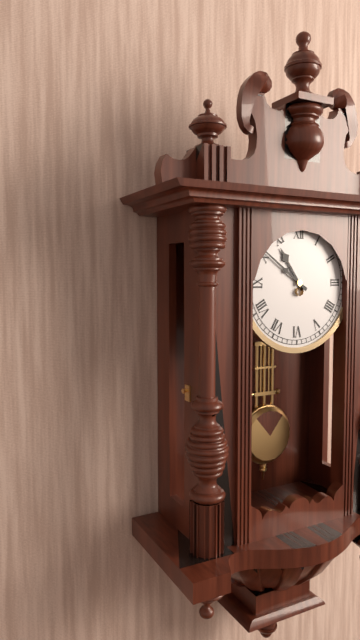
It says 10 h 51 min
